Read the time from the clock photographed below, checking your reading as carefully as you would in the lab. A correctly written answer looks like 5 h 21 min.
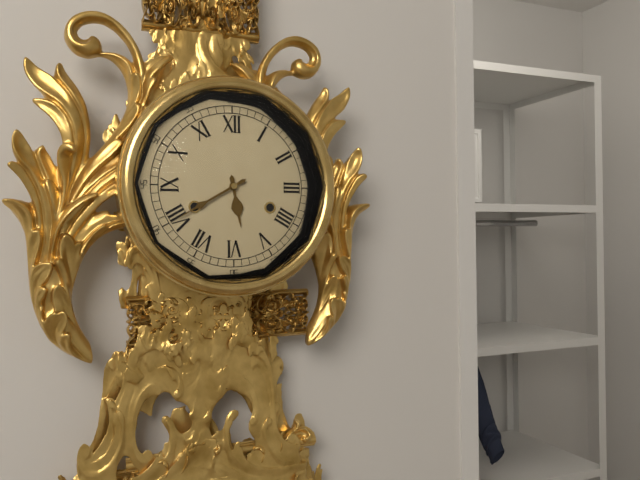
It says 5 h 40 min
